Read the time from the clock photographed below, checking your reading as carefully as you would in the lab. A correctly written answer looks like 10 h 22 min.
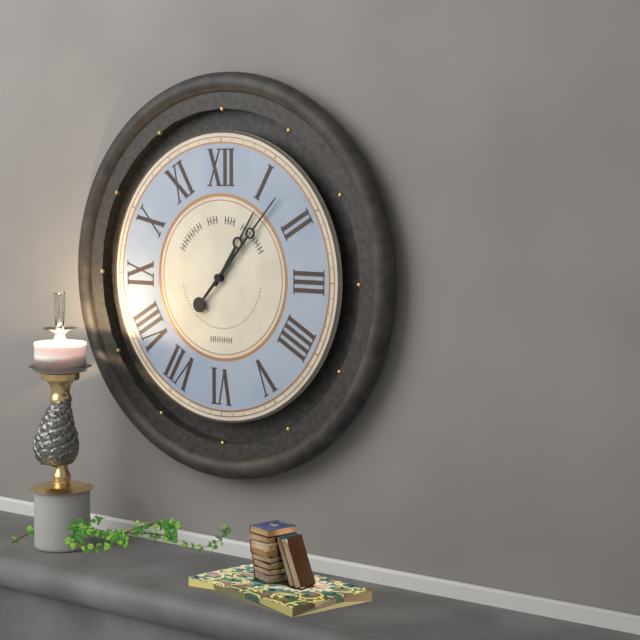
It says 1 h 07 min
